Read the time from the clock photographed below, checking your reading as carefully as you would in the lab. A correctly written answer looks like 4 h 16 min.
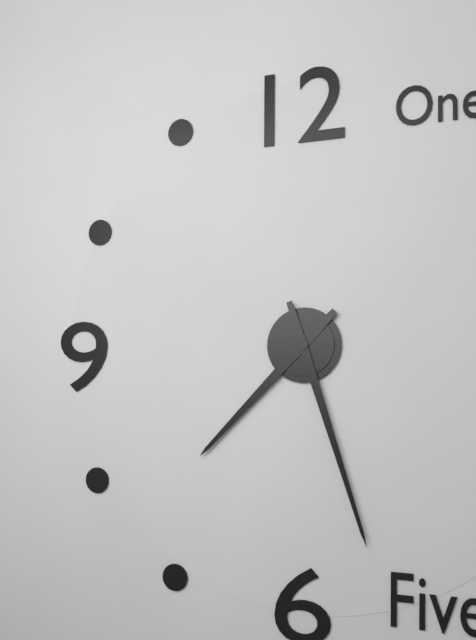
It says 7 h 27 min
